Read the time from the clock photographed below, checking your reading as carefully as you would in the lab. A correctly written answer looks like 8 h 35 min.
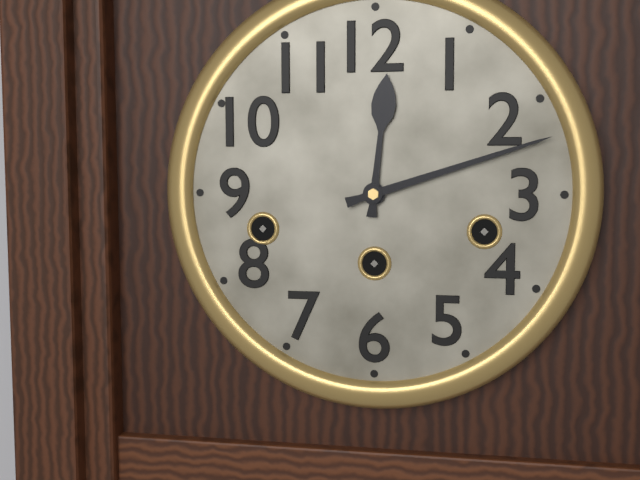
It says 12 h 12 min
